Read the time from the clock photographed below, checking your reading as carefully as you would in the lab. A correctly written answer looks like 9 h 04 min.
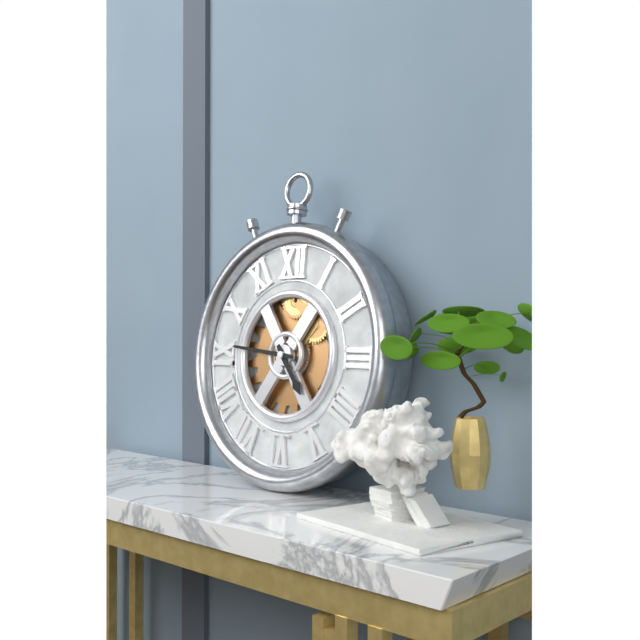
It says 4 h 46 min
